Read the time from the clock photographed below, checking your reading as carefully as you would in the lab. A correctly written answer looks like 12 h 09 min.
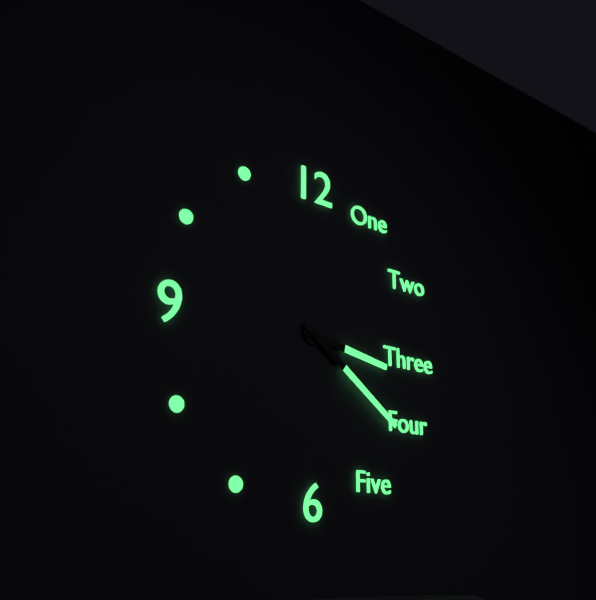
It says 3 h 21 min
